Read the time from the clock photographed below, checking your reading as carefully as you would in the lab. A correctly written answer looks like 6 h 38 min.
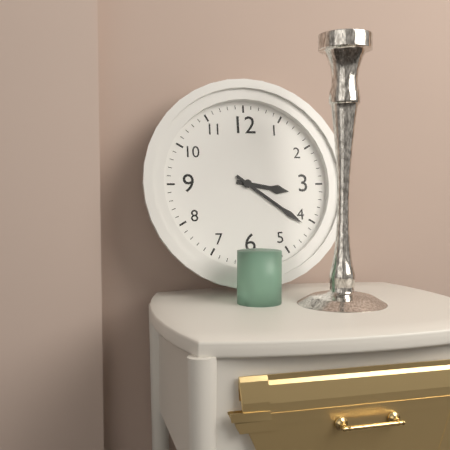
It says 3 h 21 min
